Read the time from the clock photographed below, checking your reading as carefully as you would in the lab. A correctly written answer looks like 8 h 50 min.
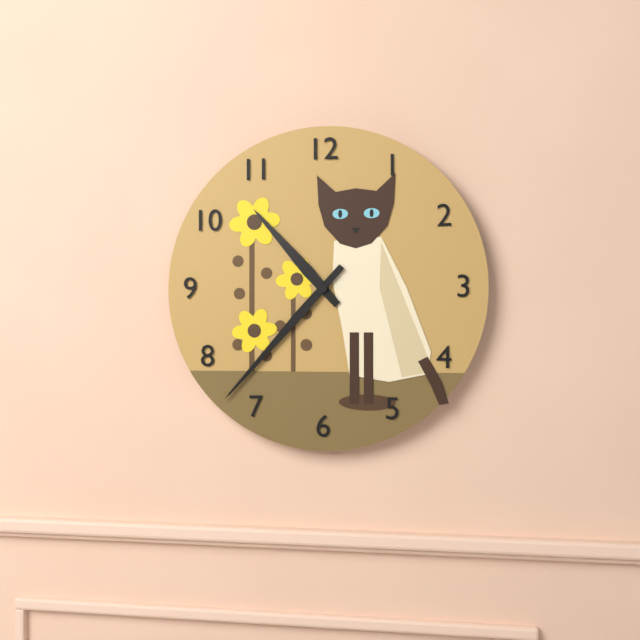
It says 10 h 37 min
